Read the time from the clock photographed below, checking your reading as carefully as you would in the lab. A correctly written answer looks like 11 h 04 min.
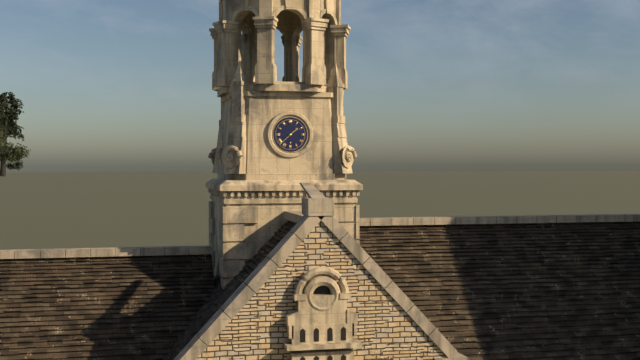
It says 1 h 38 min
